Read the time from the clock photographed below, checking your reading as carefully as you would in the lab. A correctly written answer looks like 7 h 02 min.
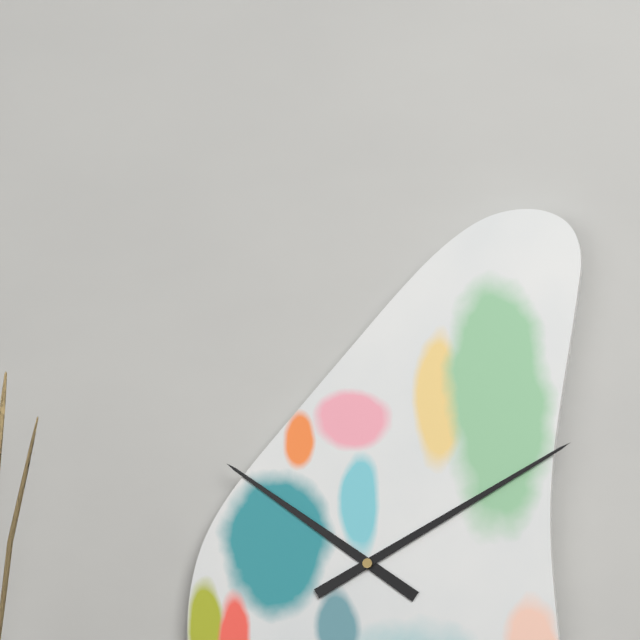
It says 10 h 10 min
